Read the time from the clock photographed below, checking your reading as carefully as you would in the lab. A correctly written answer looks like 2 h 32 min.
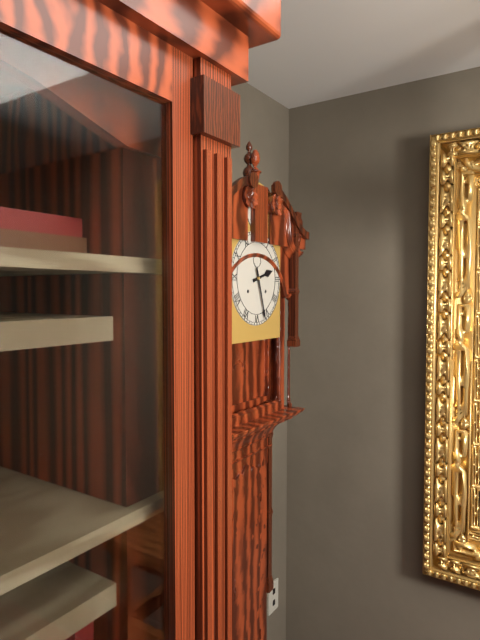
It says 2 h 27 min
